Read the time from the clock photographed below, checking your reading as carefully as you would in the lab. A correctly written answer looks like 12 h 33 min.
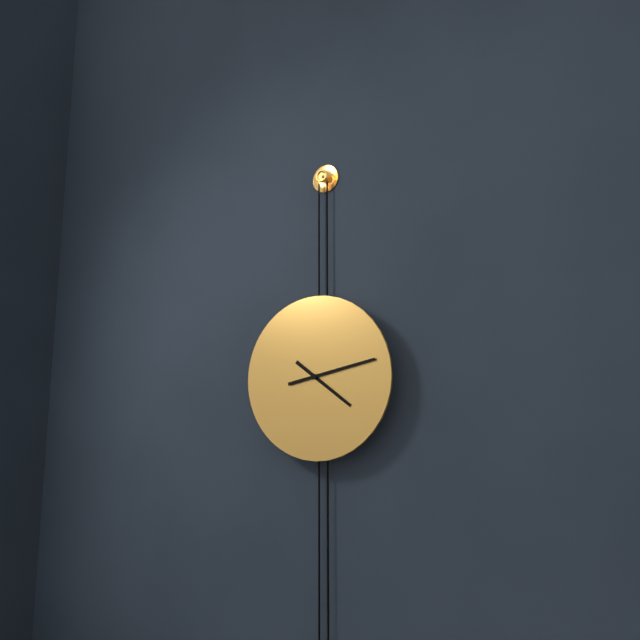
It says 4 h 13 min
